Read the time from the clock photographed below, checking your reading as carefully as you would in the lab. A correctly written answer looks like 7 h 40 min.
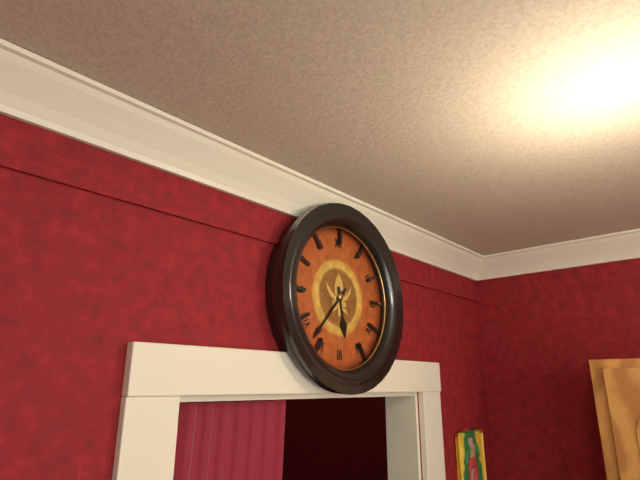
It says 5 h 37 min
